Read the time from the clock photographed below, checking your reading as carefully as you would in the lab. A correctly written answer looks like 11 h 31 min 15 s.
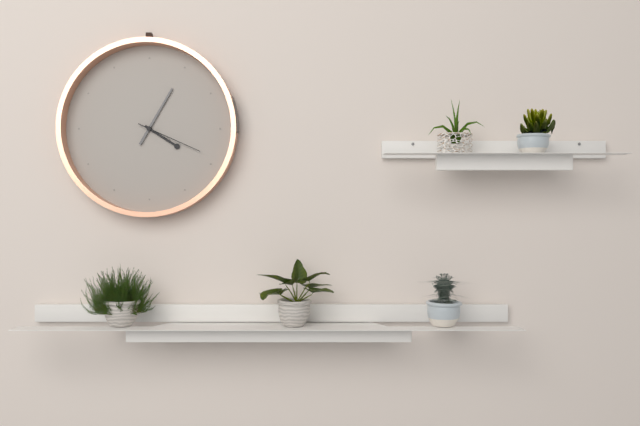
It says 4 h 05 min 19 s
